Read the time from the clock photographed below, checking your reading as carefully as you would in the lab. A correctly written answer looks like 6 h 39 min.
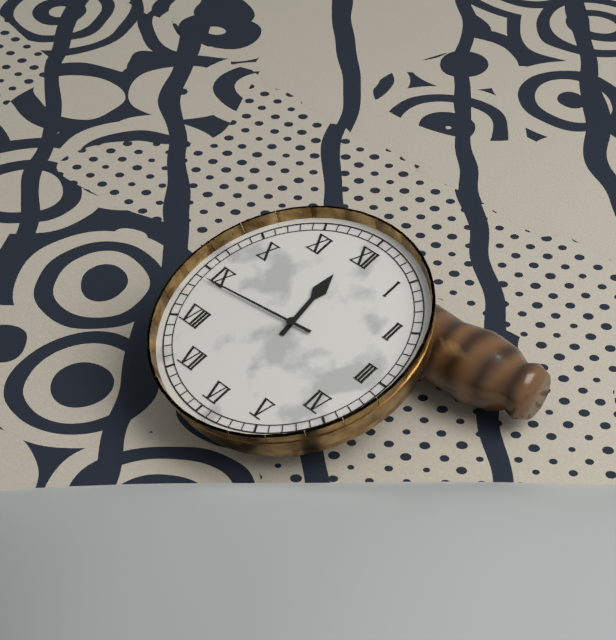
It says 11 h 44 min
